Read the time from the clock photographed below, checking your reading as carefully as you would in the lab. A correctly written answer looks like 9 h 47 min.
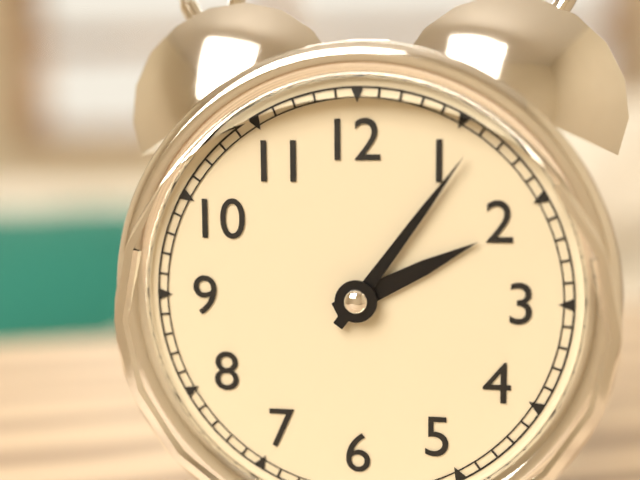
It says 2 h 06 min
